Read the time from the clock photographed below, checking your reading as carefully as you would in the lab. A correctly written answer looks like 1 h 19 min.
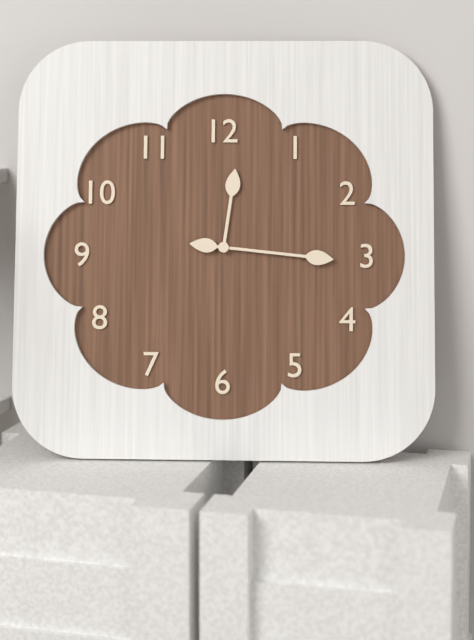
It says 12 h 16 min
